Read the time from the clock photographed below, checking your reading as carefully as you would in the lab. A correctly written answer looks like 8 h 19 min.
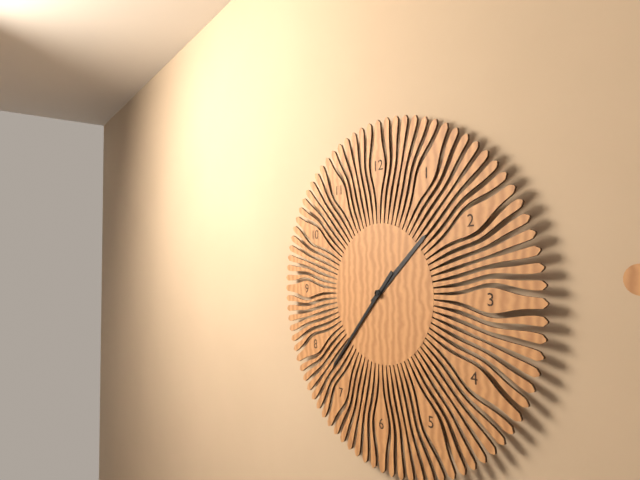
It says 1 h 37 min
